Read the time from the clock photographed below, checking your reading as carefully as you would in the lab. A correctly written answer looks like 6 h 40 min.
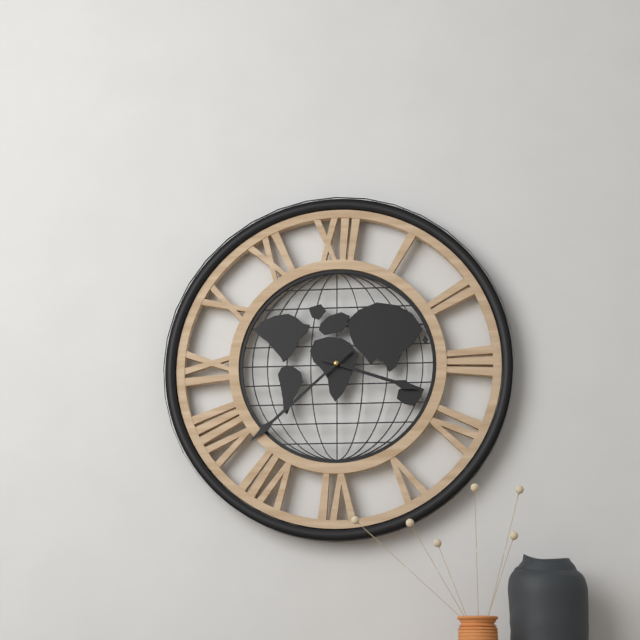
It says 3 h 38 min
